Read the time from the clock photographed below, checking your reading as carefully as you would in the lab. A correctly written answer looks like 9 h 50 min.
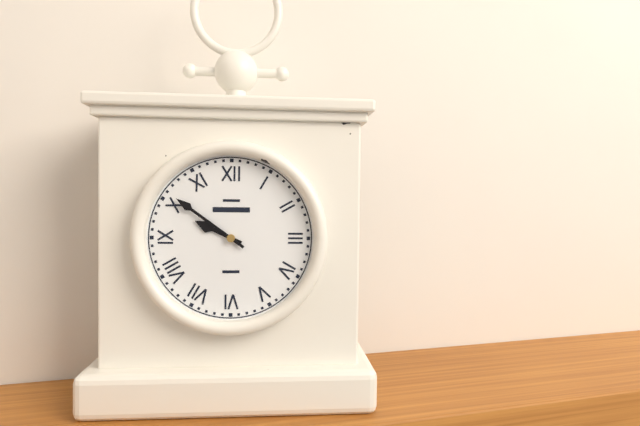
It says 9 h 51 min
